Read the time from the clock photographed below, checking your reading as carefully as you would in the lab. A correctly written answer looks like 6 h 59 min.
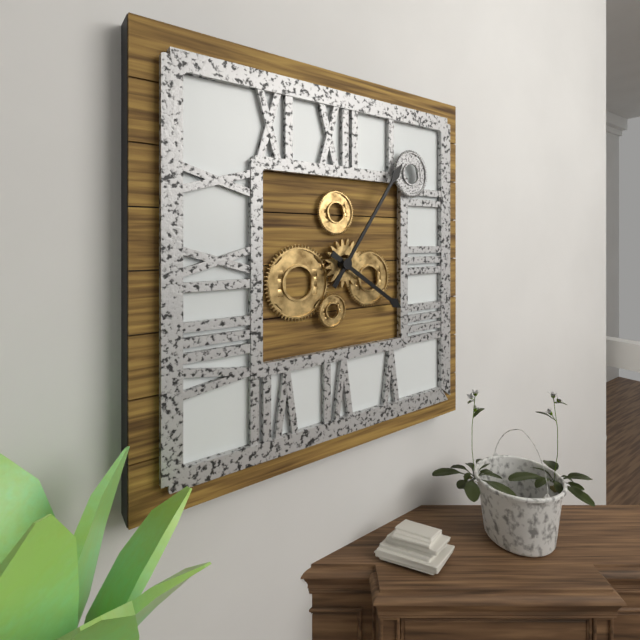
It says 4 h 06 min
